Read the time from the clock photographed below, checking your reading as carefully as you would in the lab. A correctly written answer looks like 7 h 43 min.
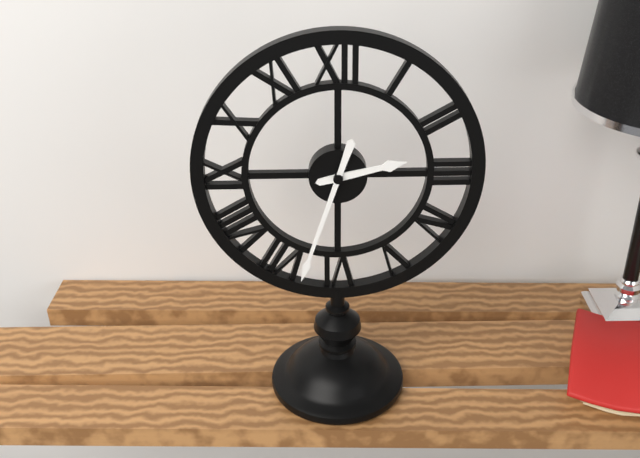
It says 2 h 33 min
